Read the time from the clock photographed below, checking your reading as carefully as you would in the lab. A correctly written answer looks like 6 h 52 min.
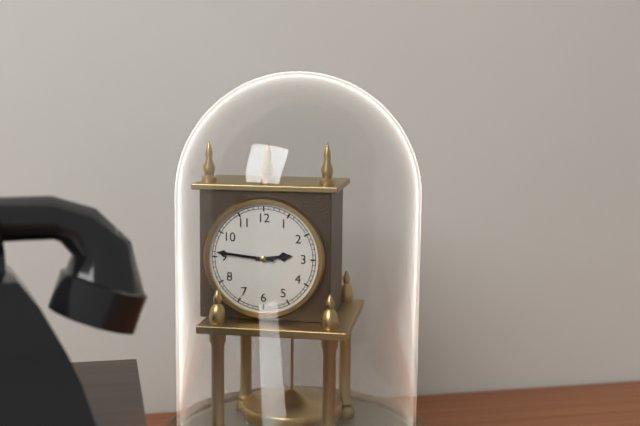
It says 2 h 46 min
